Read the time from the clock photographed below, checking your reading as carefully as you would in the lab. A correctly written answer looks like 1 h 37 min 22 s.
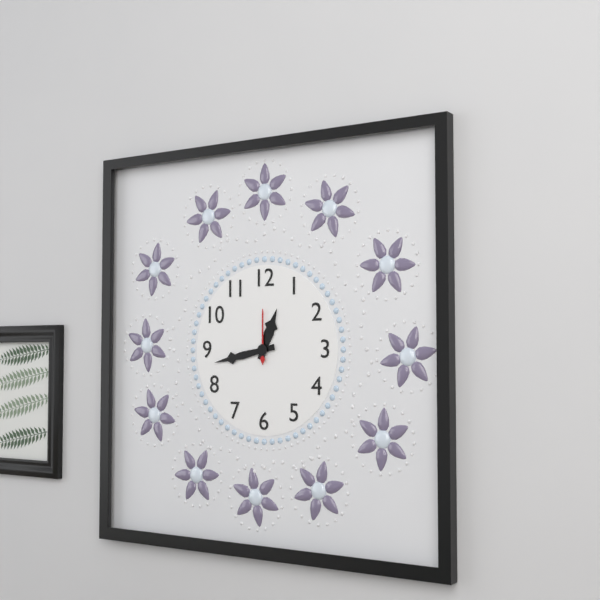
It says 12 h 43 min 00 s
